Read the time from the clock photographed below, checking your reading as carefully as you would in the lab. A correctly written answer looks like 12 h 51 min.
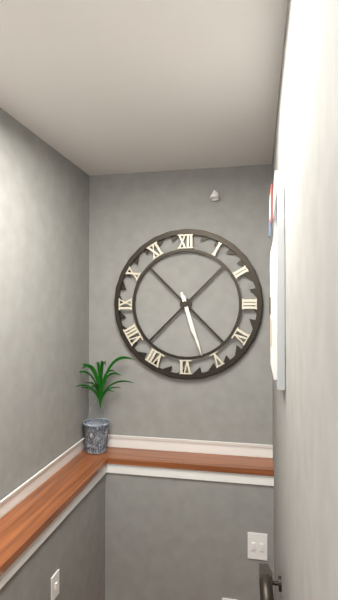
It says 5 h 27 min
